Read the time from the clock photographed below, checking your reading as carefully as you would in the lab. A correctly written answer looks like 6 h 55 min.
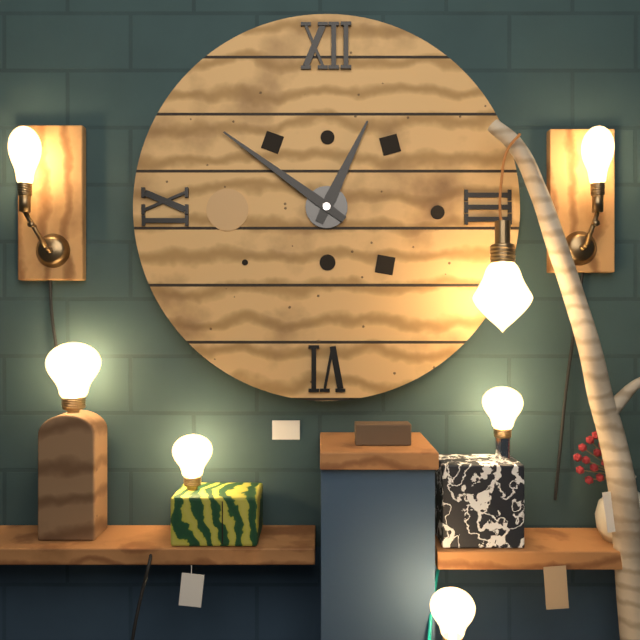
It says 12 h 51 min
